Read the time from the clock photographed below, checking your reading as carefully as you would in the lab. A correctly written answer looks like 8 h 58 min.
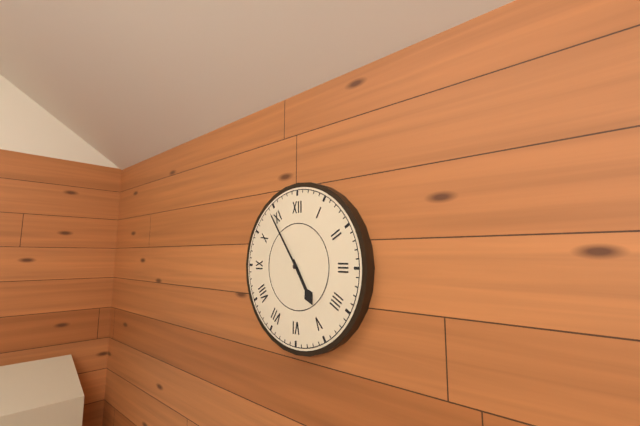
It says 4 h 54 min
